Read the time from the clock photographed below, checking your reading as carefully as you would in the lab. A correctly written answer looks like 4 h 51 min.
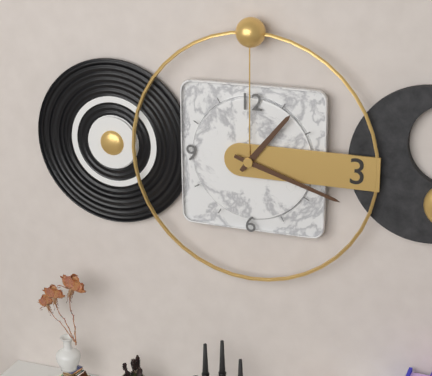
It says 1 h 18 min
